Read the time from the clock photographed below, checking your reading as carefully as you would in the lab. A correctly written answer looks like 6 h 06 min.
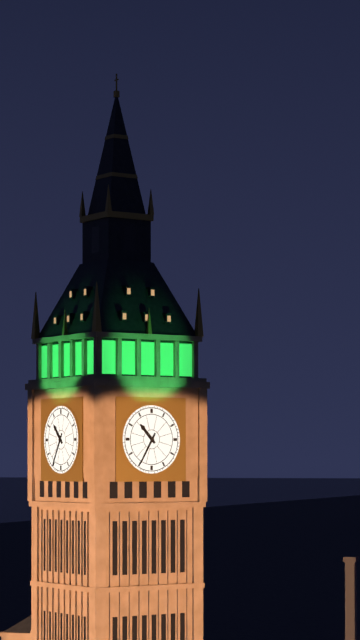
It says 10 h 35 min
